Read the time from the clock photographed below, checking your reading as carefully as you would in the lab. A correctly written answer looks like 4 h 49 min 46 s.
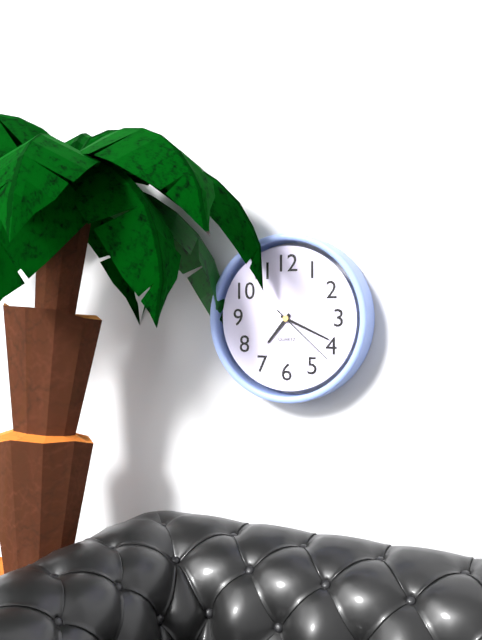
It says 7 h 19 min 22 s
